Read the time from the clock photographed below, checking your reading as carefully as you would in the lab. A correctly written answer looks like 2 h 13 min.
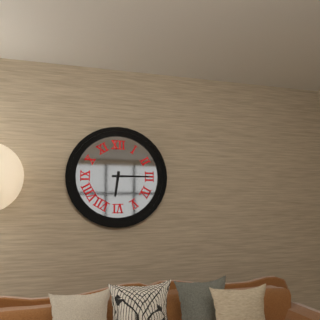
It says 6 h 15 min
